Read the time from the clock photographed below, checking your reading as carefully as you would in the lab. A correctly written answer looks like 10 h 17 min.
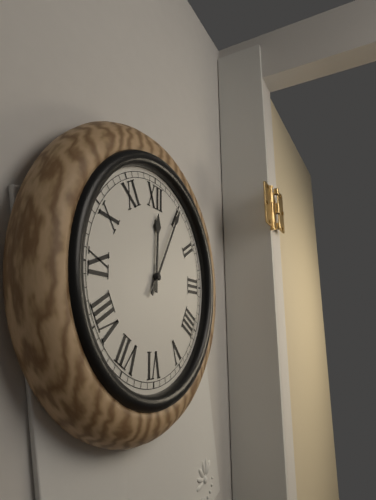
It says 12 h 05 min
